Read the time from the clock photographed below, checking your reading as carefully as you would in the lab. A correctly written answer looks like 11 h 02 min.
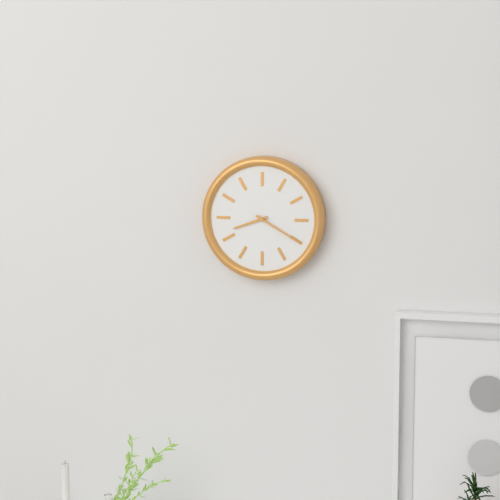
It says 8 h 20 min
